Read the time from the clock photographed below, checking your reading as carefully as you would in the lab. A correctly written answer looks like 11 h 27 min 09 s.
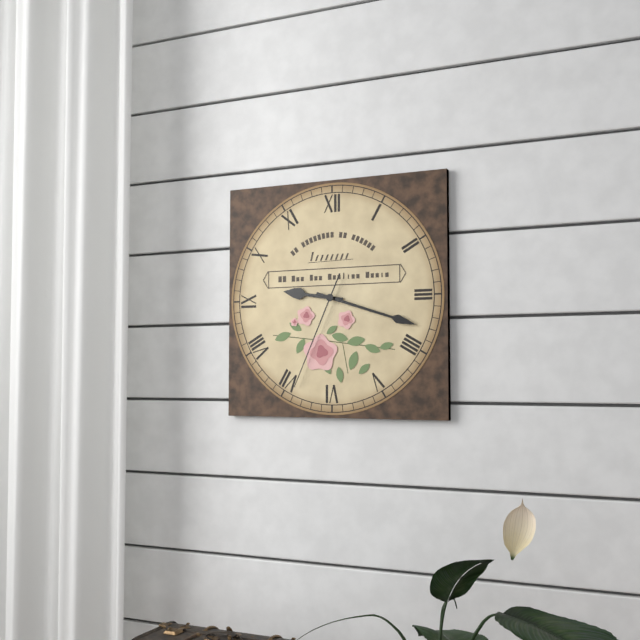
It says 9 h 18 min 34 s
